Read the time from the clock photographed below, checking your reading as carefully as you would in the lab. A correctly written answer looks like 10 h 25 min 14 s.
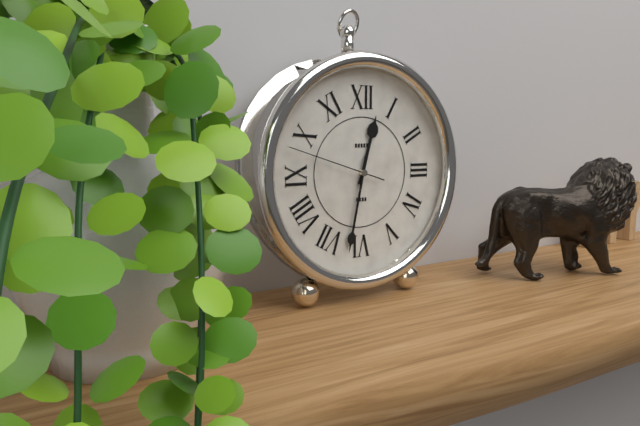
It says 12 h 32 min 48 s
